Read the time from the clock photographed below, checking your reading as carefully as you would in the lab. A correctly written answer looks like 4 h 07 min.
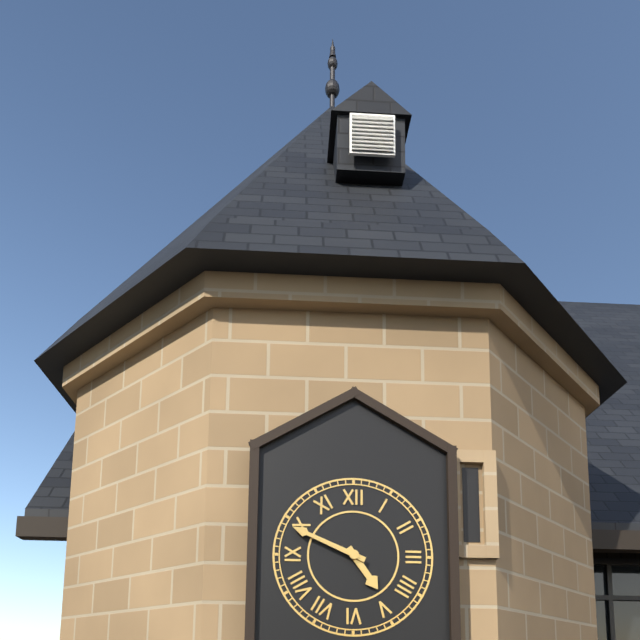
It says 4 h 49 min
